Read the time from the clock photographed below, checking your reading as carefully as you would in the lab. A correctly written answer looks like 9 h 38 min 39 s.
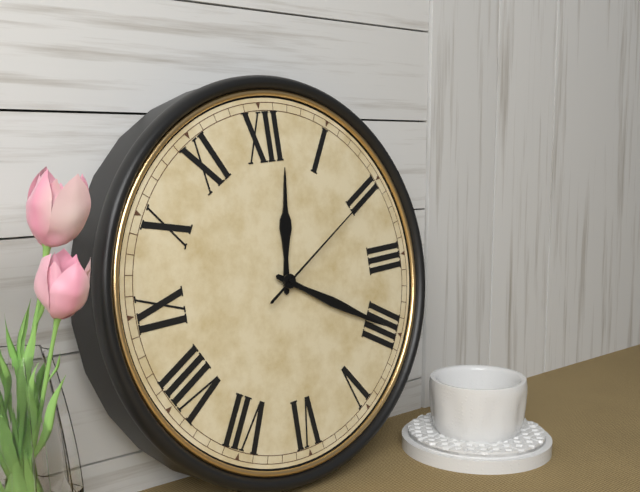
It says 12 h 20 min 10 s
